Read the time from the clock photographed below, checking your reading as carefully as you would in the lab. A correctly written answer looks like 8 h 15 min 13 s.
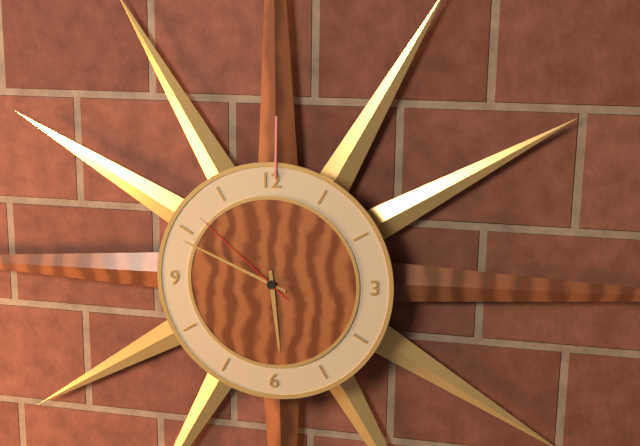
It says 5 h 49 min 52 s
